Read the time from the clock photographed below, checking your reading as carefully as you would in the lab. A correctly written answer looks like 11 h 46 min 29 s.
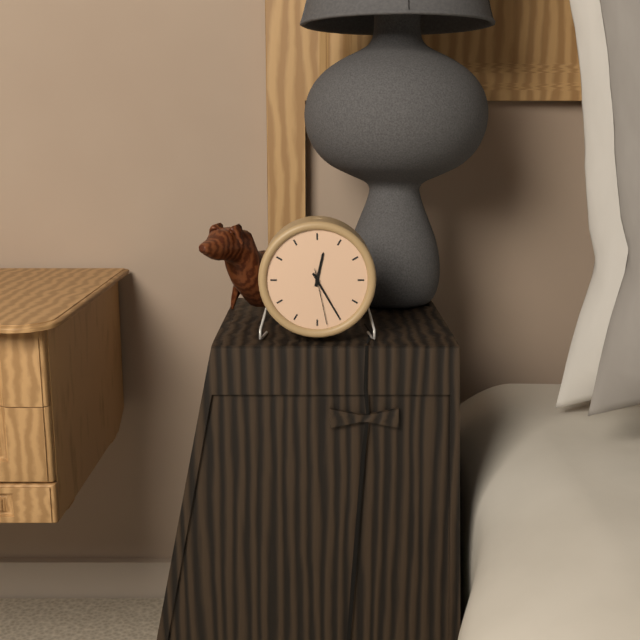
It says 12 h 25 min 28 s
